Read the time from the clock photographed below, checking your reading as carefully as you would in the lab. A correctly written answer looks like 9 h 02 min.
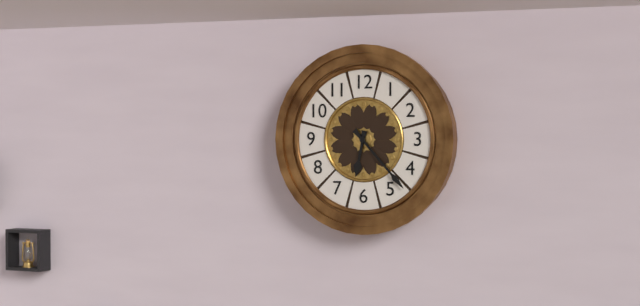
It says 6 h 23 min
